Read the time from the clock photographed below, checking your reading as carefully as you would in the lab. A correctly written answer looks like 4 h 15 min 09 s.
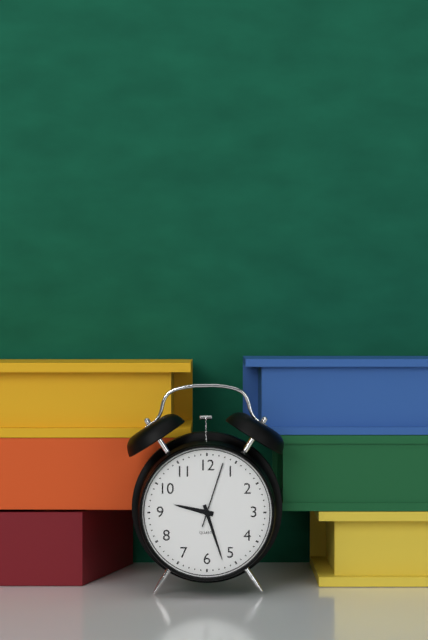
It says 9 h 27 min 03 s
